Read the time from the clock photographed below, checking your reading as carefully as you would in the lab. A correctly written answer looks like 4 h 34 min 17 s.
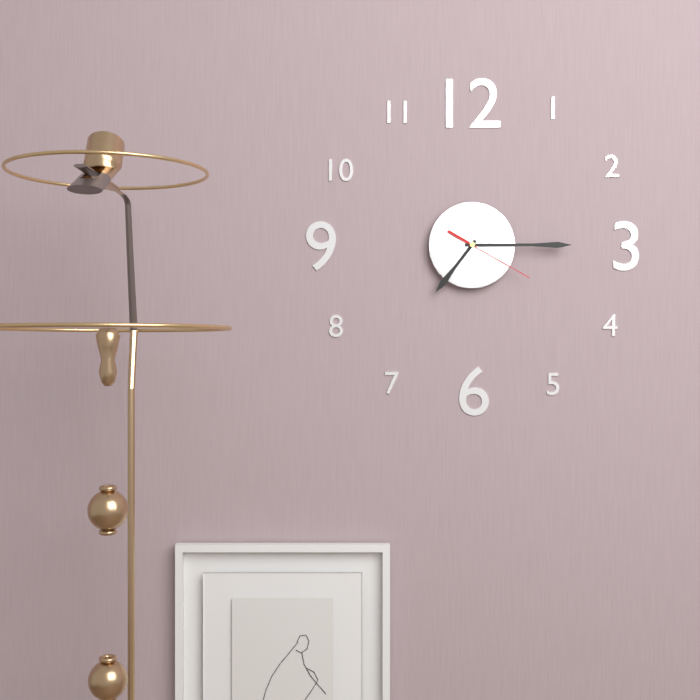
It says 7 h 15 min 20 s
